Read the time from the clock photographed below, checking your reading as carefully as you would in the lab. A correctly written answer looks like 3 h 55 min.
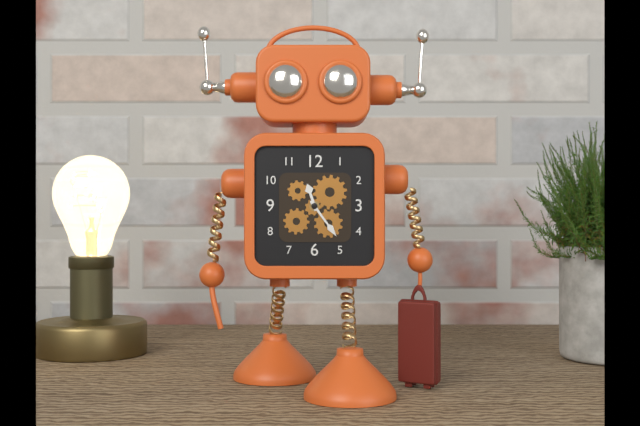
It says 11 h 24 min
